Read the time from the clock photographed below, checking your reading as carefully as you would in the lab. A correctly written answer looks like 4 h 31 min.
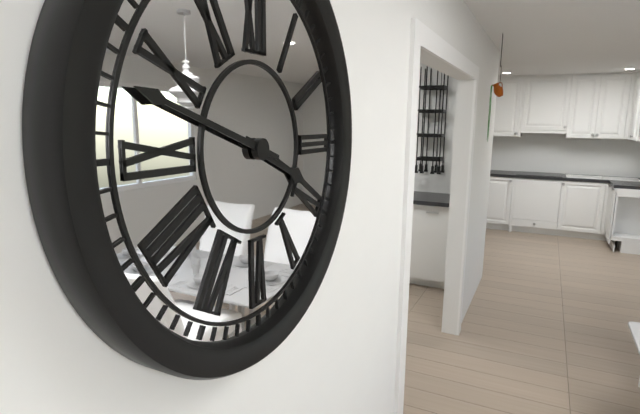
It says 3 h 48 min
